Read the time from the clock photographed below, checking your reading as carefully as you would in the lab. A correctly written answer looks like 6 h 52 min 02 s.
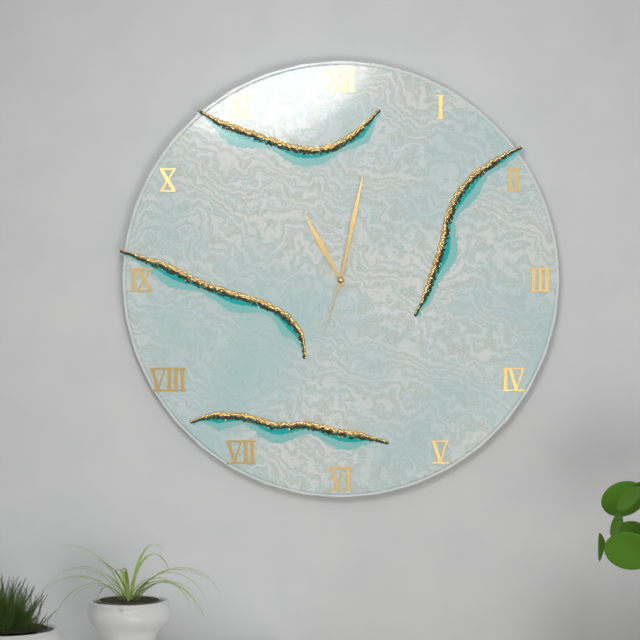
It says 11 h 02 min 33 s
